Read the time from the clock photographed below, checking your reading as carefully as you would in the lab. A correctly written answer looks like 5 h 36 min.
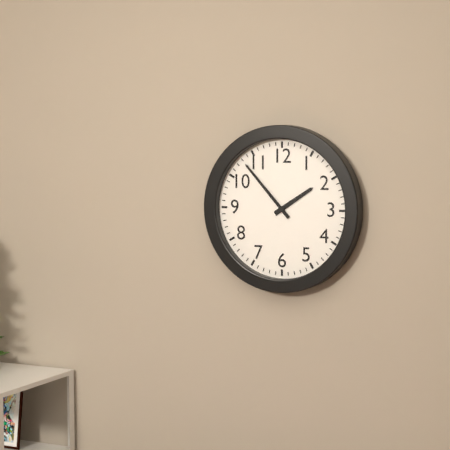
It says 1 h 53 min
